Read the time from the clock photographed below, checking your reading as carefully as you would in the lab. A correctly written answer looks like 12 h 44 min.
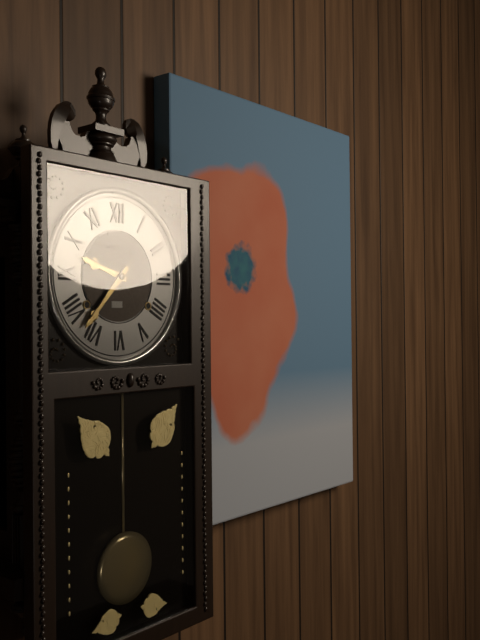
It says 9 h 37 min
